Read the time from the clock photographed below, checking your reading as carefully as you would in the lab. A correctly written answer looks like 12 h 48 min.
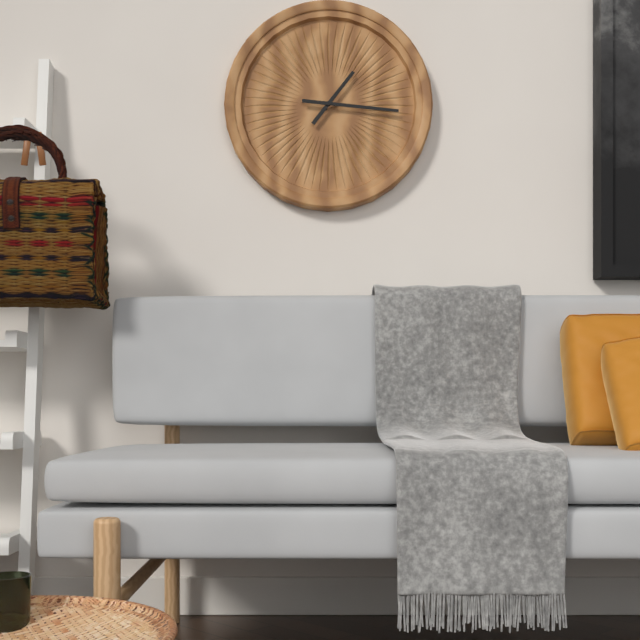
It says 1 h 16 min
